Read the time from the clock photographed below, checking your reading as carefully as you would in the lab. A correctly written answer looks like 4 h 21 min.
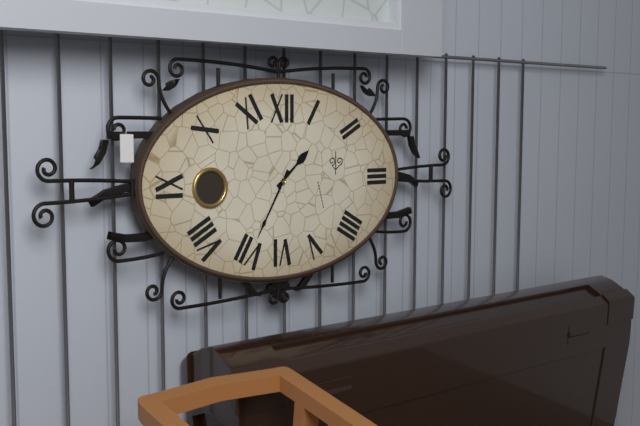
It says 1 h 35 min
